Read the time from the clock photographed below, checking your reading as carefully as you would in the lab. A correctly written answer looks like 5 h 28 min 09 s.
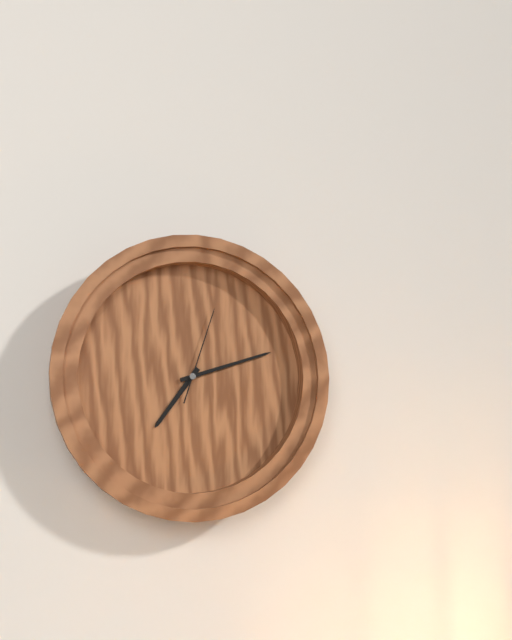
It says 7 h 12 min 03 s
